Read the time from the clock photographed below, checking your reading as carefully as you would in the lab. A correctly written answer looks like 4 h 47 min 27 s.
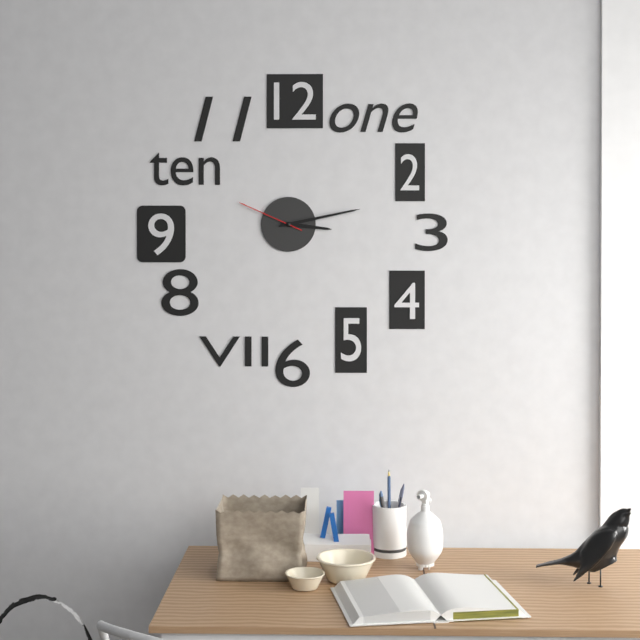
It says 3 h 13 min 49 s
